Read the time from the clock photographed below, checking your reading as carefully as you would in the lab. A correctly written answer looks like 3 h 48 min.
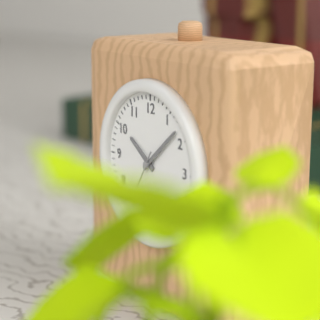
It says 10 h 08 min
